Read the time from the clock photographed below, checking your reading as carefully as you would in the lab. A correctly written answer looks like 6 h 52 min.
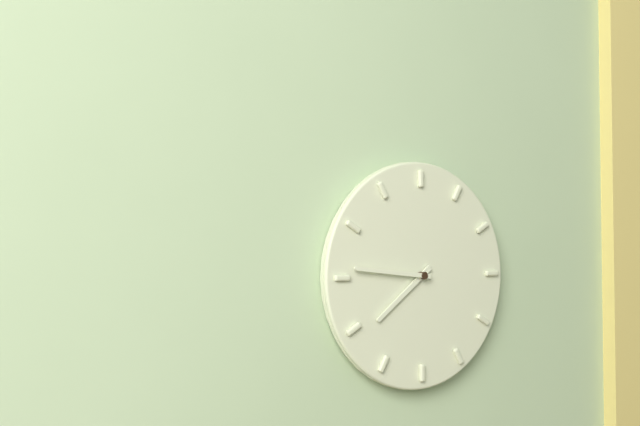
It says 7 h 46 min
